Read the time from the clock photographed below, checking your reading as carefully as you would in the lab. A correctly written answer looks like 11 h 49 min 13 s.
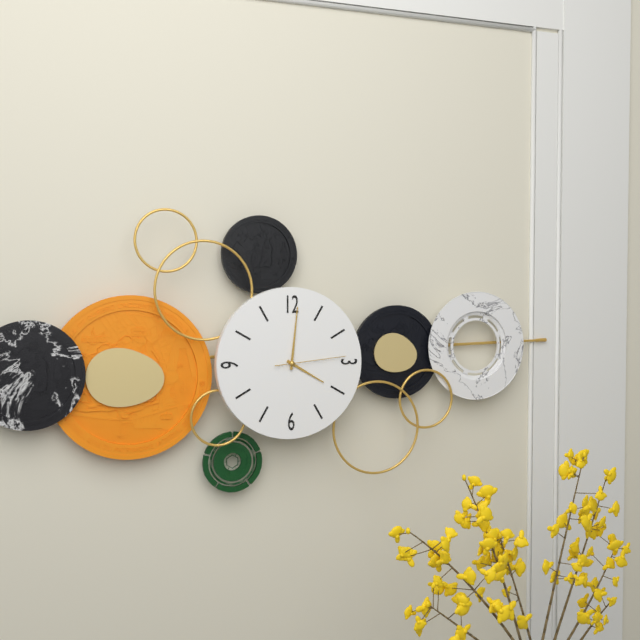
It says 4 h 01 min 14 s
